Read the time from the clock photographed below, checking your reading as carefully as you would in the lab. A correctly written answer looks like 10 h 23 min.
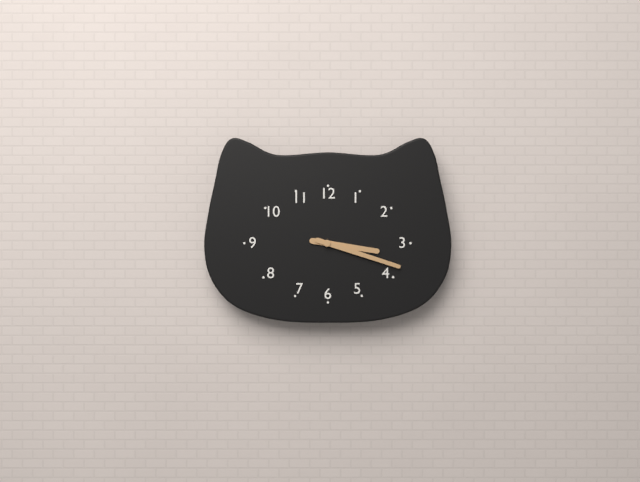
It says 3 h 18 min
